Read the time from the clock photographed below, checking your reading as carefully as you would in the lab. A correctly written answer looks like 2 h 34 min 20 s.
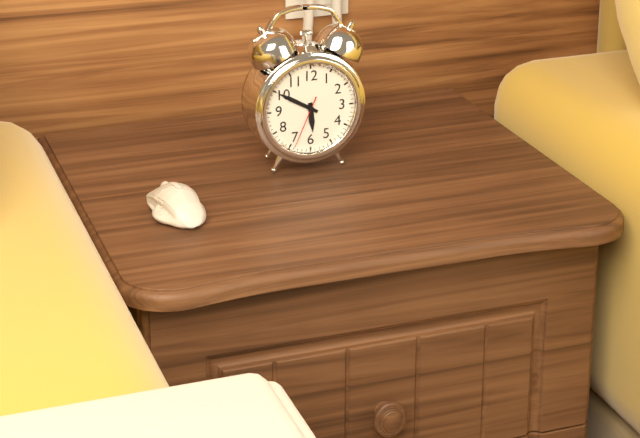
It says 5 h 50 min 34 s
